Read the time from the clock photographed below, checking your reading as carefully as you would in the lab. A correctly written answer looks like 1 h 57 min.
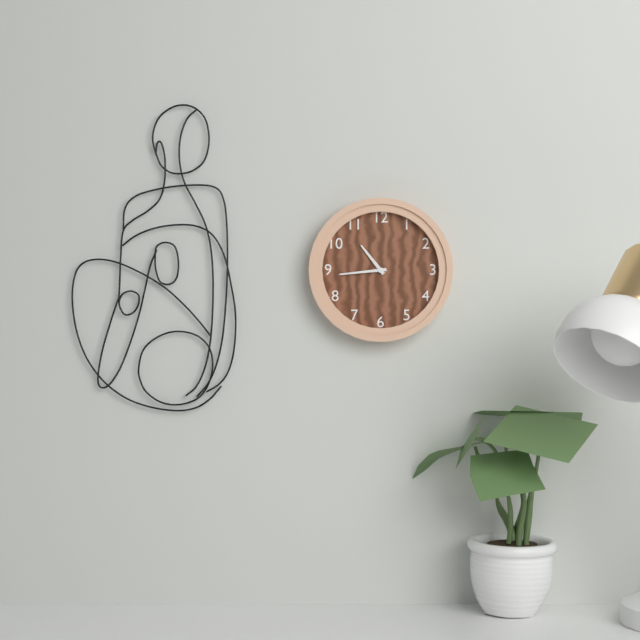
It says 10 h 44 min
